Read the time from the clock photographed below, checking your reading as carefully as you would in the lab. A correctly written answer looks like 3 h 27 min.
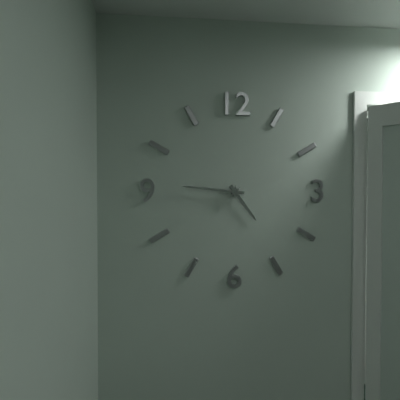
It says 4 h 46 min
